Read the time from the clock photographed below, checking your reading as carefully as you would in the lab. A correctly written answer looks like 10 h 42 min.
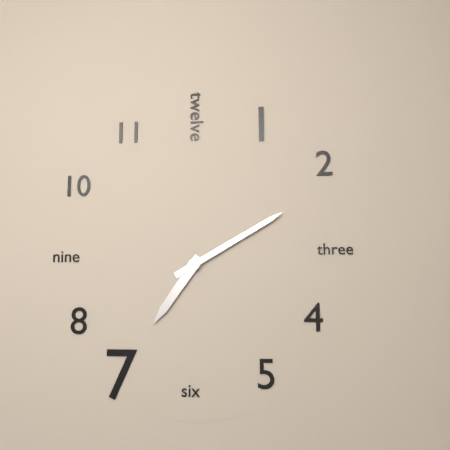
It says 7 h 10 min
